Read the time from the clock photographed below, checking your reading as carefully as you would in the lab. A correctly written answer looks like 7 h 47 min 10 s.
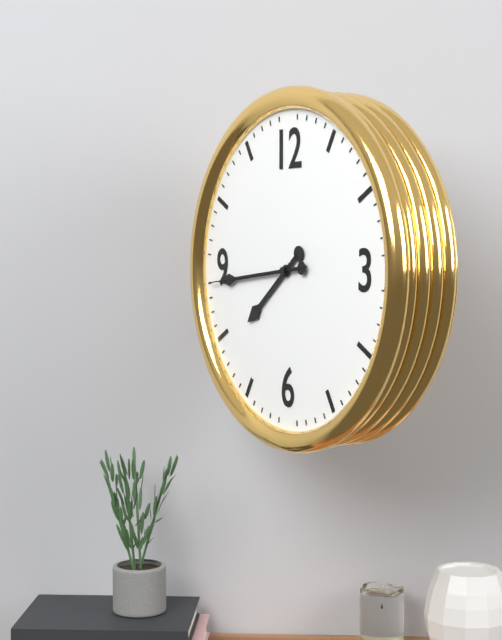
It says 7 h 44 min 44 s
